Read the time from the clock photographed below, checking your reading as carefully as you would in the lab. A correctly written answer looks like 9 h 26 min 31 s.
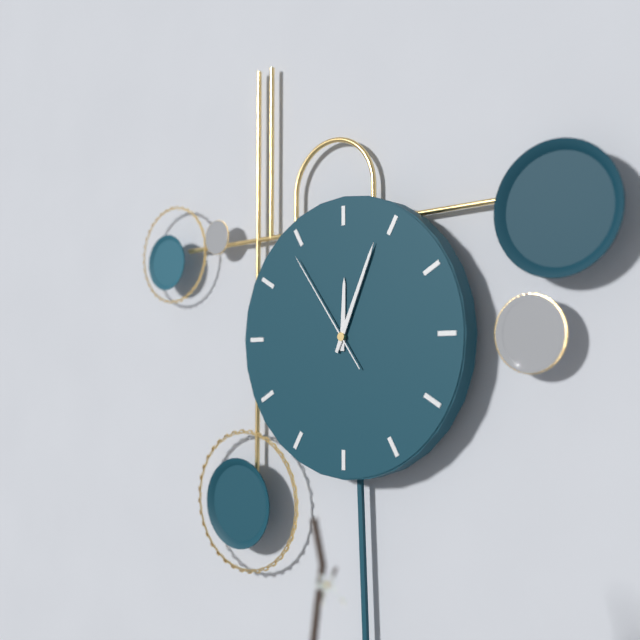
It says 12 h 04 min 54 s
